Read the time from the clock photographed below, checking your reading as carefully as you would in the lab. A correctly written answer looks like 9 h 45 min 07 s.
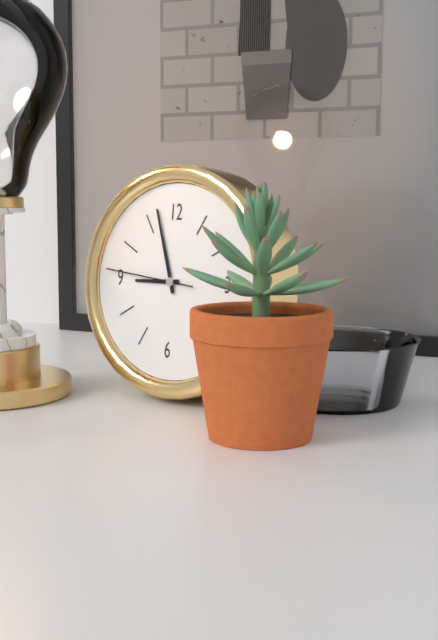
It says 8 h 57 min 46 s
